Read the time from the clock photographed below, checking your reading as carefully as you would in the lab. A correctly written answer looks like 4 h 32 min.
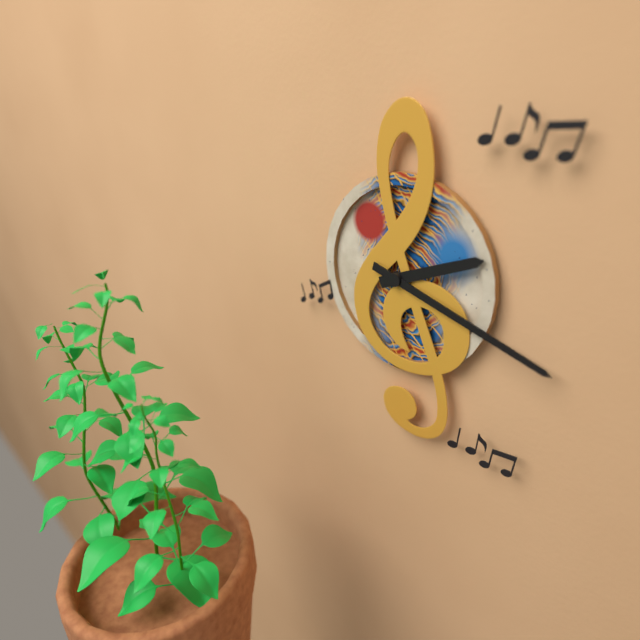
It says 2 h 18 min
